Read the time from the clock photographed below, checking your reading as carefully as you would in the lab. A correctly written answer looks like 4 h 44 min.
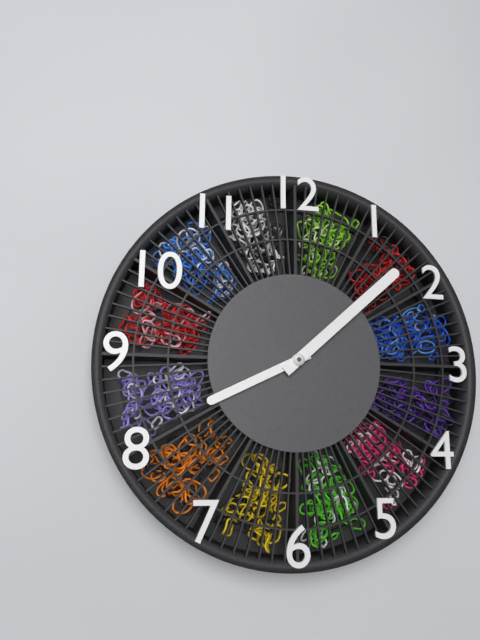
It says 8 h 08 min
